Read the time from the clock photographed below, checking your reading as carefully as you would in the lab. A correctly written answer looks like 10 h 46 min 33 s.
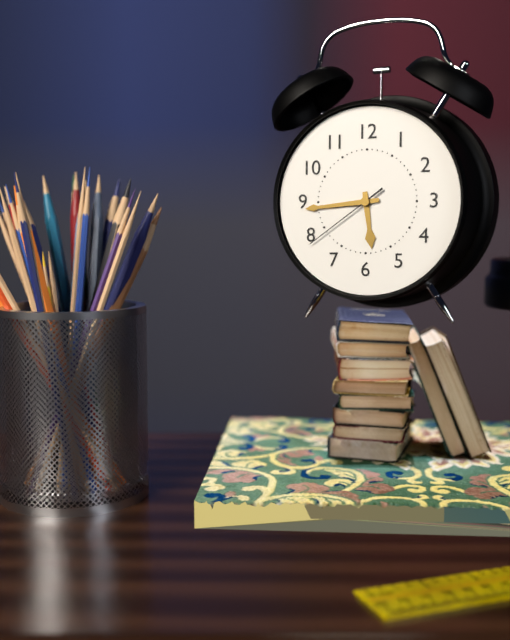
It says 5 h 44 min 39 s
